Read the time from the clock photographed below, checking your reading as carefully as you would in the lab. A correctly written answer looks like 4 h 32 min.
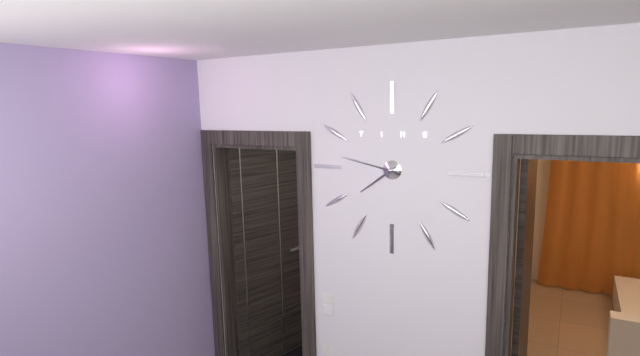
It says 7 h 47 min
